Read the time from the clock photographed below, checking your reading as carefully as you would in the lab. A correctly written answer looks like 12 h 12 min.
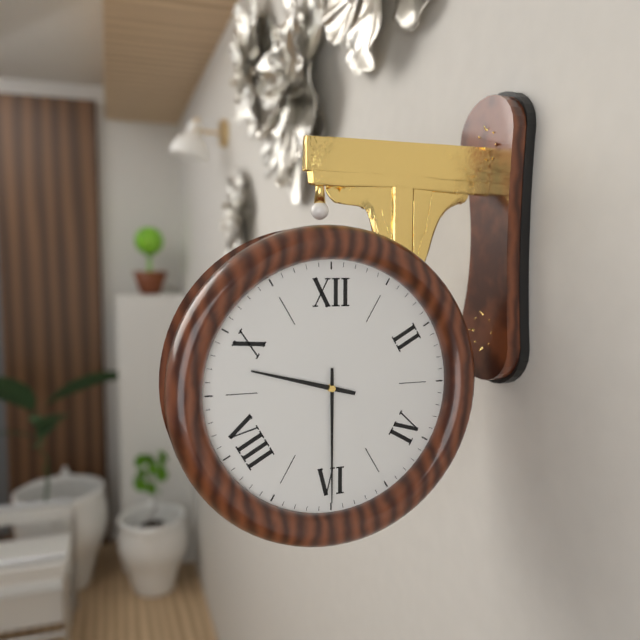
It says 9 h 30 min
